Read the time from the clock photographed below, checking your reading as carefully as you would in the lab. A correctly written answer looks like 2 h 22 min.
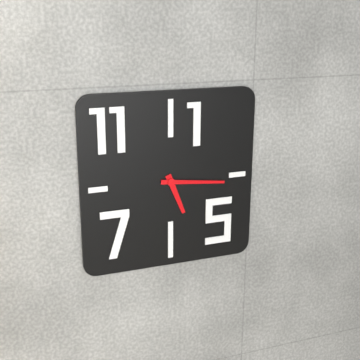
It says 5 h 16 min
